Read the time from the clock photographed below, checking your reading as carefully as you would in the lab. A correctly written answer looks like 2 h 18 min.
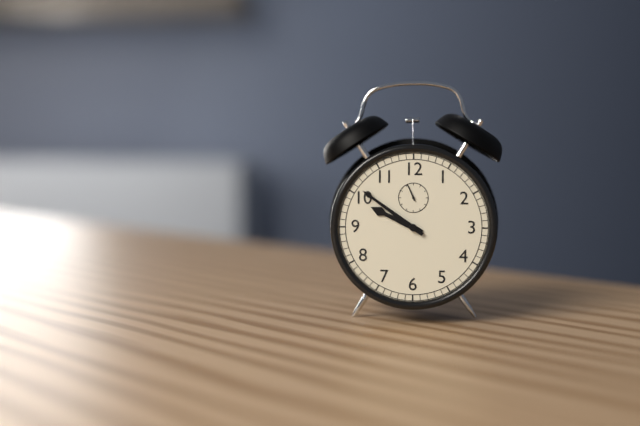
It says 9 h 51 min
